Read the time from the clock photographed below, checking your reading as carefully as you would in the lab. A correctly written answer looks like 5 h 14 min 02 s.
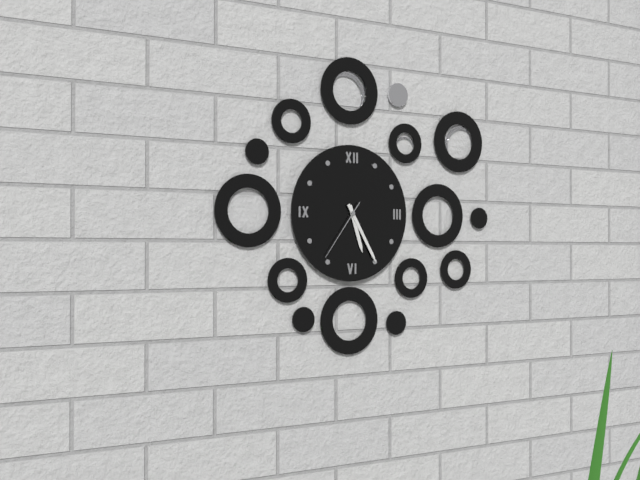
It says 5 h 25 min 36 s
